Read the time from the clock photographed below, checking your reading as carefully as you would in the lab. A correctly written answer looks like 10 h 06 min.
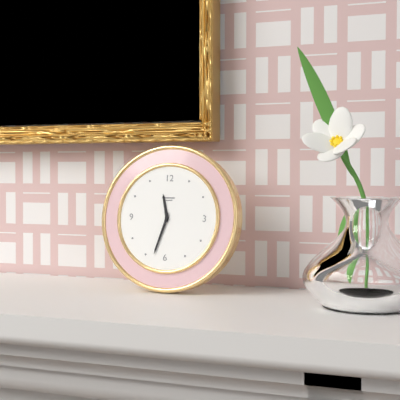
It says 11 h 33 min
